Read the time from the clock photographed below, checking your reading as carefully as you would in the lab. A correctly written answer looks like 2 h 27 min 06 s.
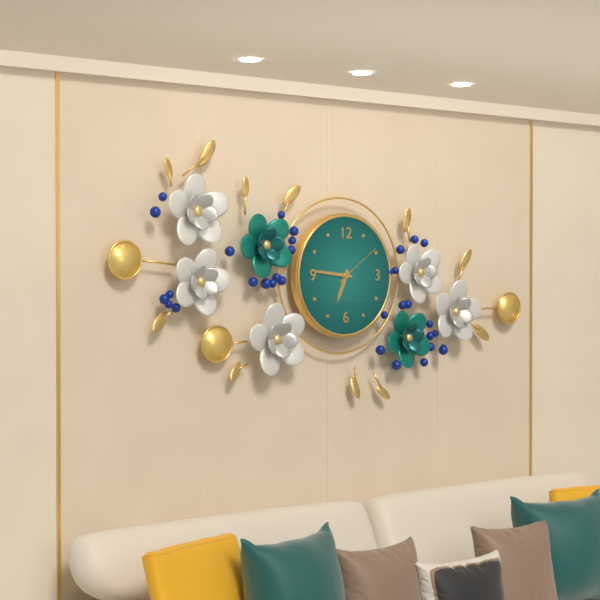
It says 6 h 46 min 09 s
